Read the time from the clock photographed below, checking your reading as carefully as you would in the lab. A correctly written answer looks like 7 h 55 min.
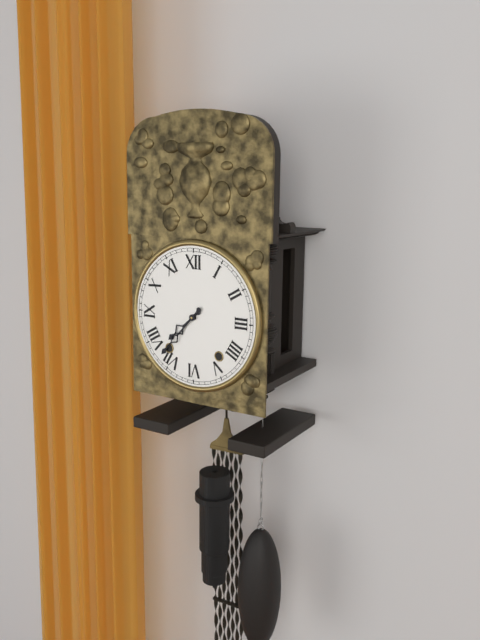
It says 7 h 37 min
